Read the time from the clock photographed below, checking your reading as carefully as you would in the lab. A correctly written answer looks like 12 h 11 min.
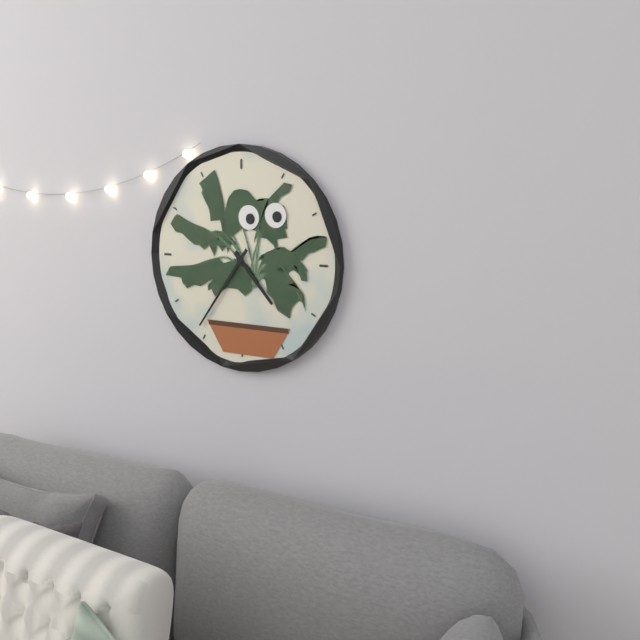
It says 4 h 36 min
